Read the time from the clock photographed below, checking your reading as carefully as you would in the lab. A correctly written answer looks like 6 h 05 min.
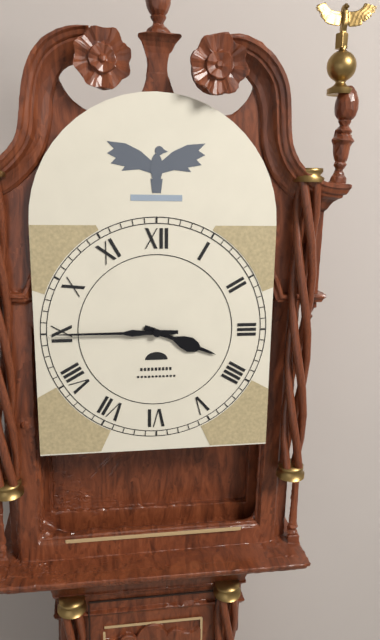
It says 3 h 45 min
